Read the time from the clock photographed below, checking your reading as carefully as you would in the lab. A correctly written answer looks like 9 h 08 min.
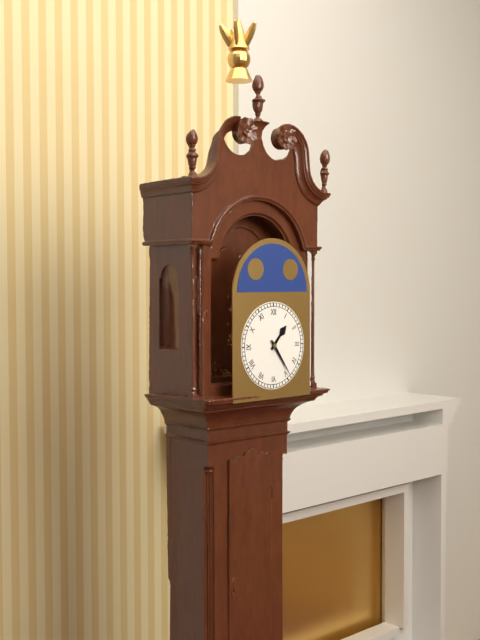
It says 1 h 24 min
